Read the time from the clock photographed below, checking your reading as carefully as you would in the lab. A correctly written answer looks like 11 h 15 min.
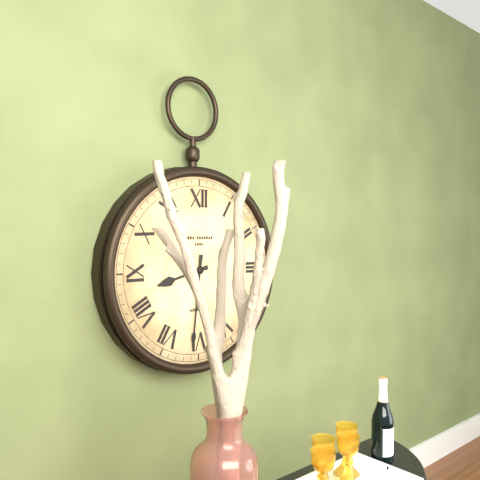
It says 8 h 31 min
